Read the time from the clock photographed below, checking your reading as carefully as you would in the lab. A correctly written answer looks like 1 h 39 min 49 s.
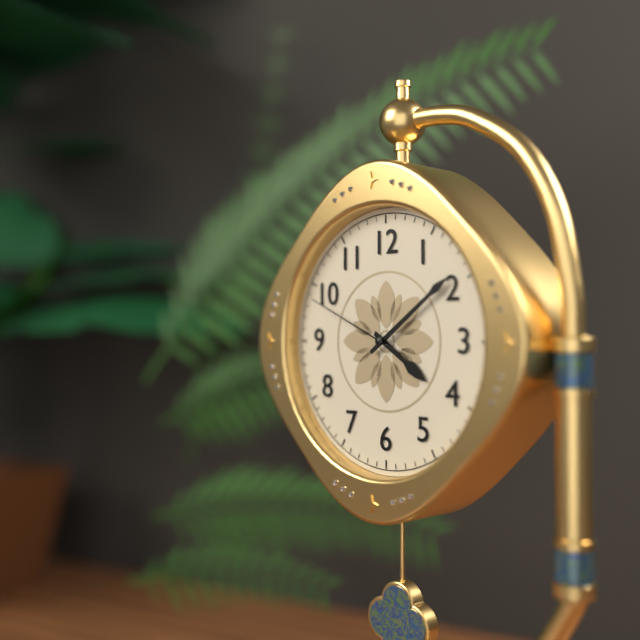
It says 4 h 09 min 49 s
